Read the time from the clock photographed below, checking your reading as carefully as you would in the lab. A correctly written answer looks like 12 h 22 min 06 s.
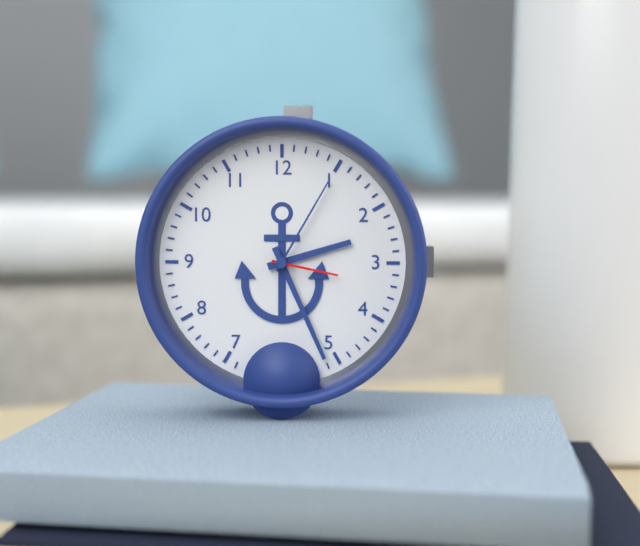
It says 2 h 26 min 17 s
